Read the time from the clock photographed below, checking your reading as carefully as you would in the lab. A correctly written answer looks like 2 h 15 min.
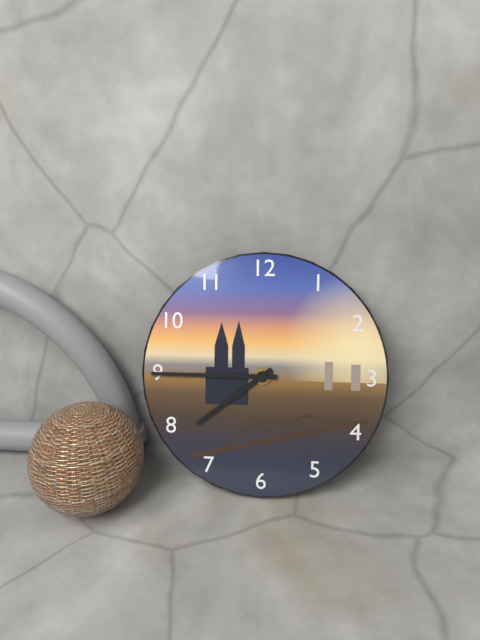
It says 7 h 45 min
